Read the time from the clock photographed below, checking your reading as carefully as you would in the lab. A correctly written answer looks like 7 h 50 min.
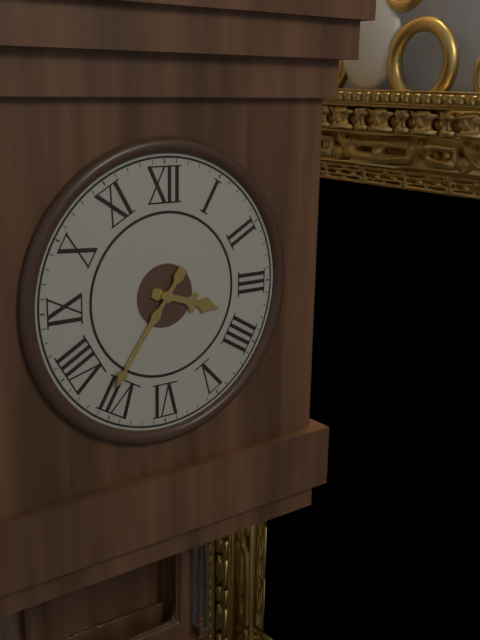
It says 3 h 36 min
